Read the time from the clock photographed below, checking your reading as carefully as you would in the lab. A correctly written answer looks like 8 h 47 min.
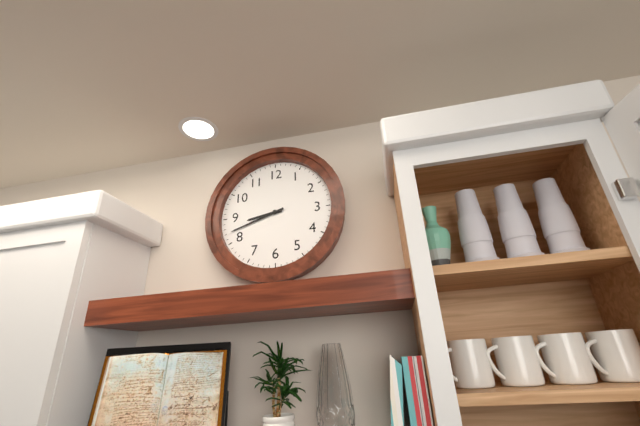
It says 8 h 42 min
